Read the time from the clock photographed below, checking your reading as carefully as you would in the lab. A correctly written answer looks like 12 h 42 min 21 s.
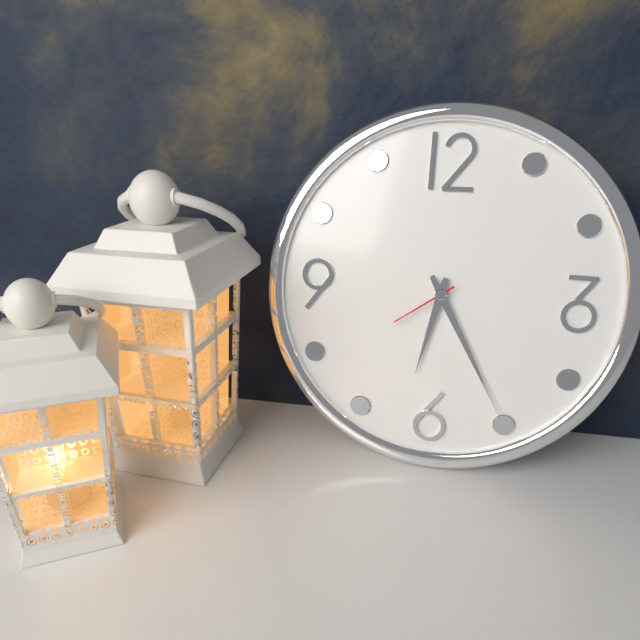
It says 6 h 25 min 39 s
